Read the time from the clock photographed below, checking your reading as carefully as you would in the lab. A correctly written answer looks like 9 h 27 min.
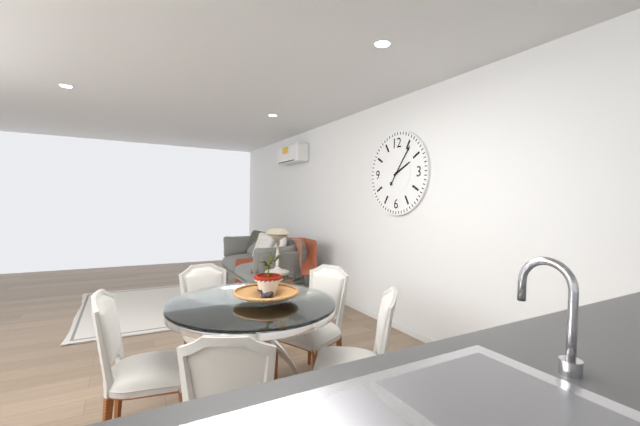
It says 2 h 06 min
